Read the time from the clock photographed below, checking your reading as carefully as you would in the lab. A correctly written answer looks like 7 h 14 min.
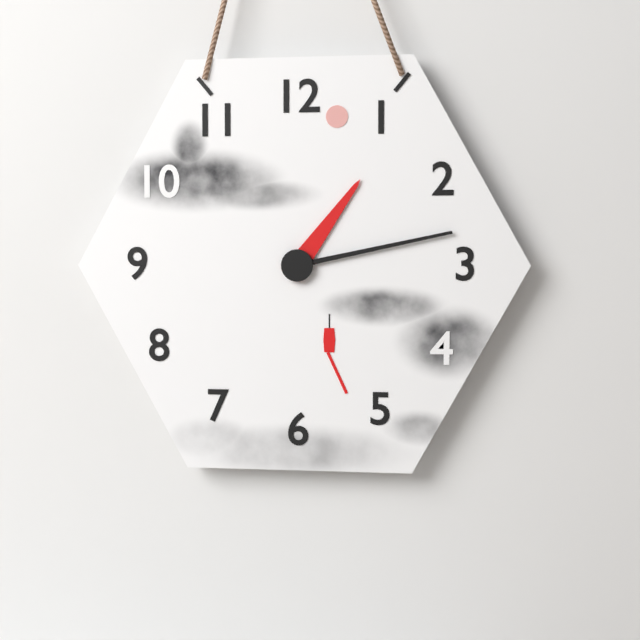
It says 1 h 13 min
